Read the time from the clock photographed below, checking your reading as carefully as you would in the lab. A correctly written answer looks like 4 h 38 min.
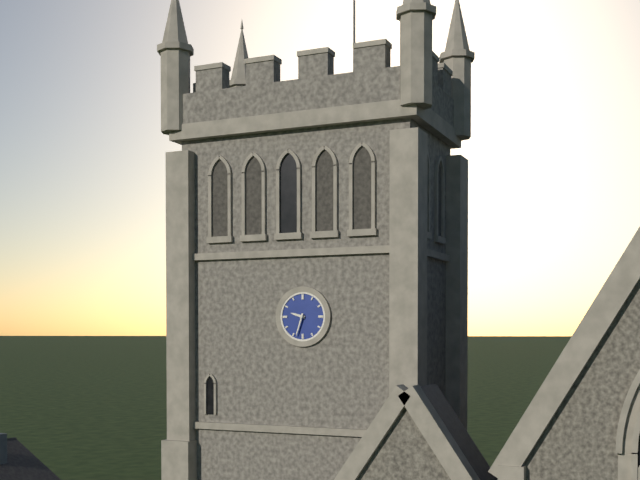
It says 9 h 33 min
